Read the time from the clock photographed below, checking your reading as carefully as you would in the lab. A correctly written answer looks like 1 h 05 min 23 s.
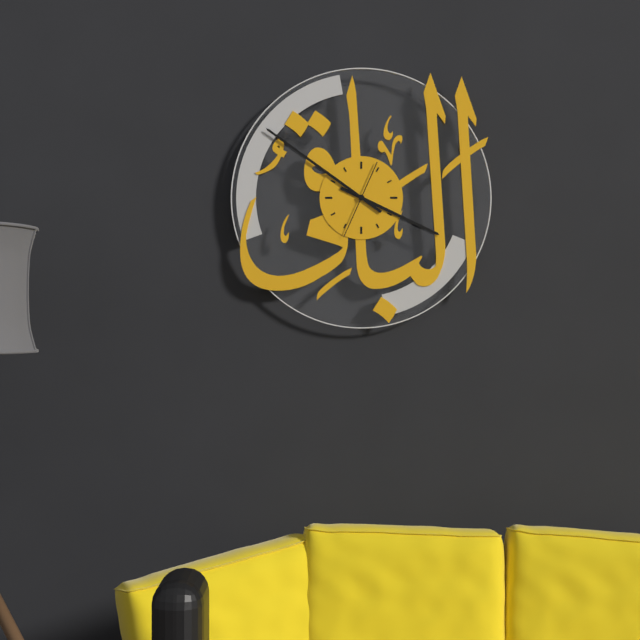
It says 3 h 51 min 34 s
